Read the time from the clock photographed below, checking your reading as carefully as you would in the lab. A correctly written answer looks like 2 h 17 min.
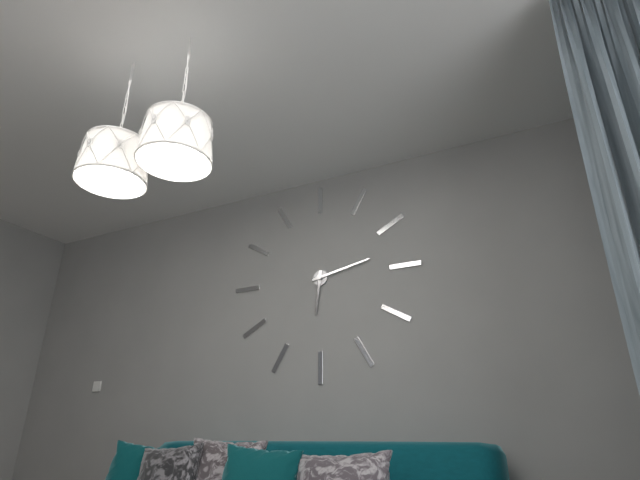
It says 6 h 13 min
